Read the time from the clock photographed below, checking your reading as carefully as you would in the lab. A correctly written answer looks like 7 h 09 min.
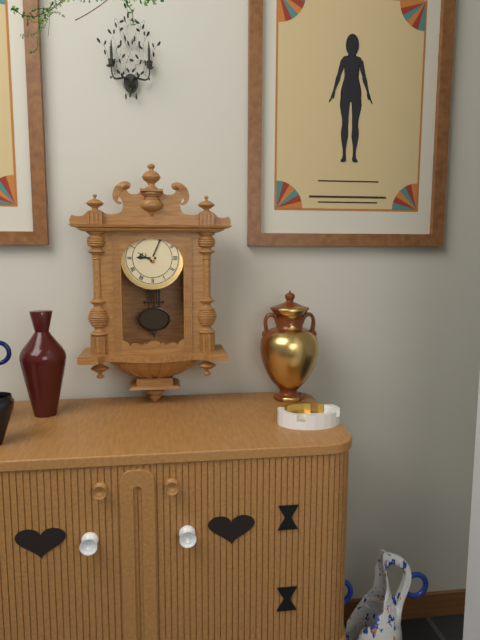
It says 9 h 04 min
